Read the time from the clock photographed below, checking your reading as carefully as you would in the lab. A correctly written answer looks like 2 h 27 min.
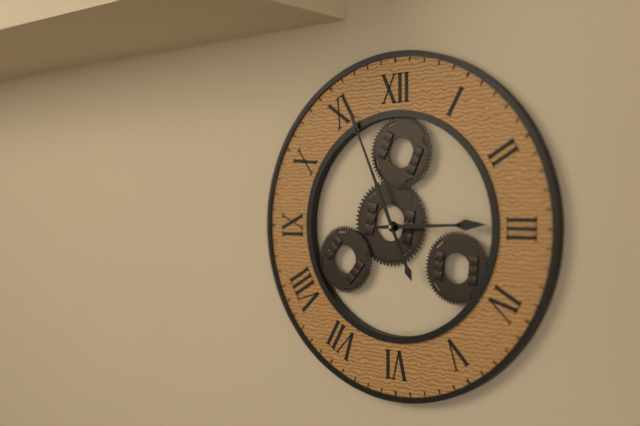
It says 2 h 56 min
